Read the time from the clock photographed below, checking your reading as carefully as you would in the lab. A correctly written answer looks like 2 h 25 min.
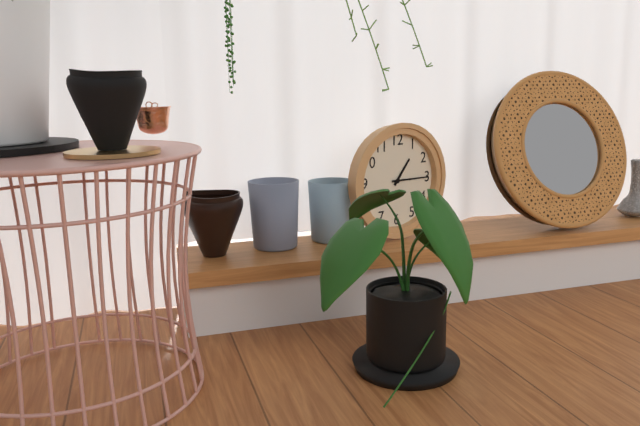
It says 1 h 15 min
